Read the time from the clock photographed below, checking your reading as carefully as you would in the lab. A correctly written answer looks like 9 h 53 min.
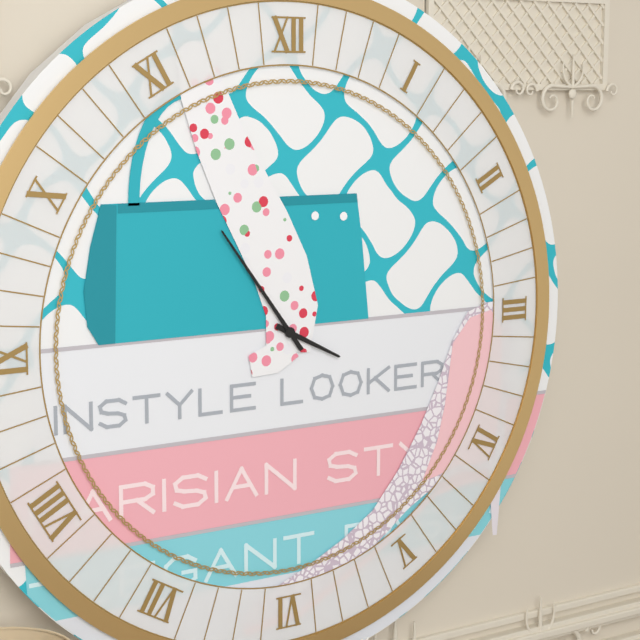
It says 3 h 54 min
